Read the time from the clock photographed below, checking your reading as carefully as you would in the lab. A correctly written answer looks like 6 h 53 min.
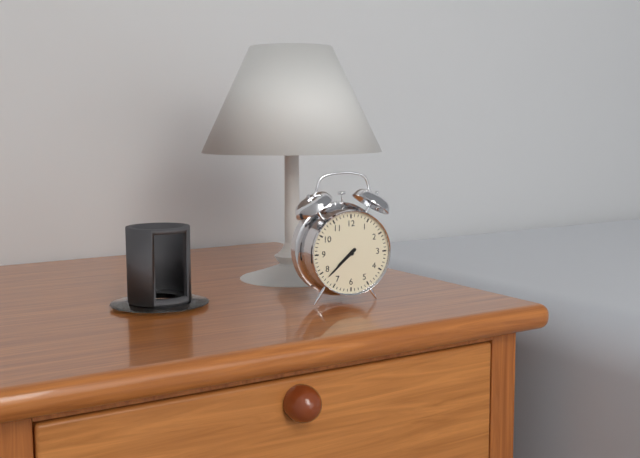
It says 7 h 38 min
